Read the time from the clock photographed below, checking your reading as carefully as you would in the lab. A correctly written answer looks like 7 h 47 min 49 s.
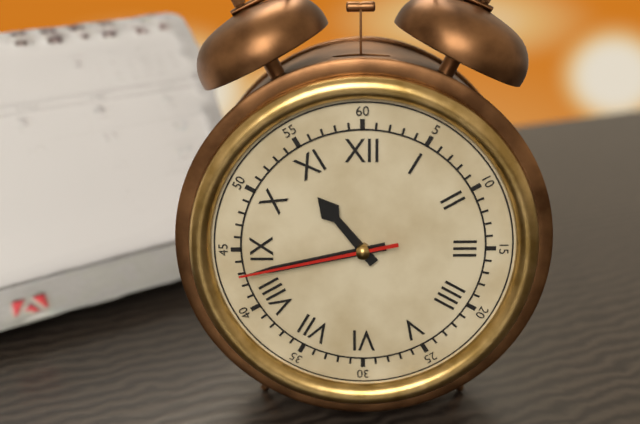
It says 10 h 43 min 43 s
